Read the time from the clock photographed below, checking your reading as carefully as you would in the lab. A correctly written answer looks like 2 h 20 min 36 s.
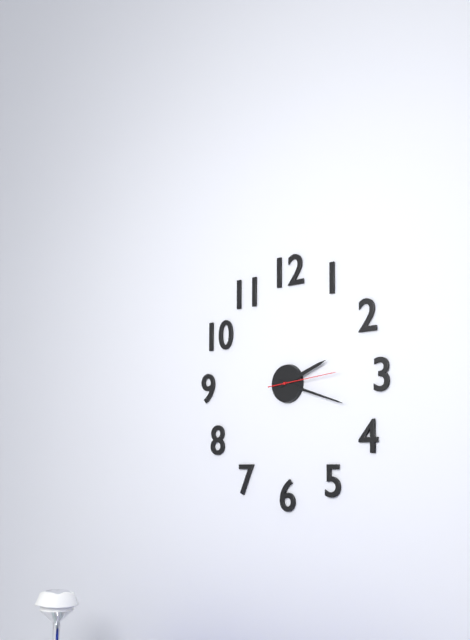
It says 2 h 18 min 14 s
